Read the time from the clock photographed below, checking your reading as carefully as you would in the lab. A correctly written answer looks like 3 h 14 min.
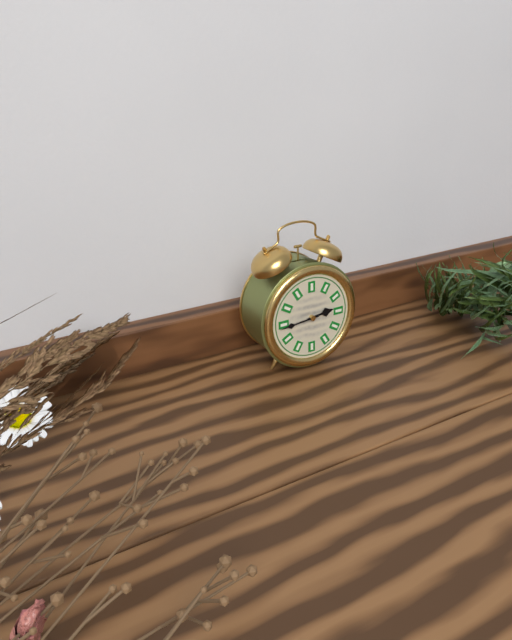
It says 2 h 44 min
